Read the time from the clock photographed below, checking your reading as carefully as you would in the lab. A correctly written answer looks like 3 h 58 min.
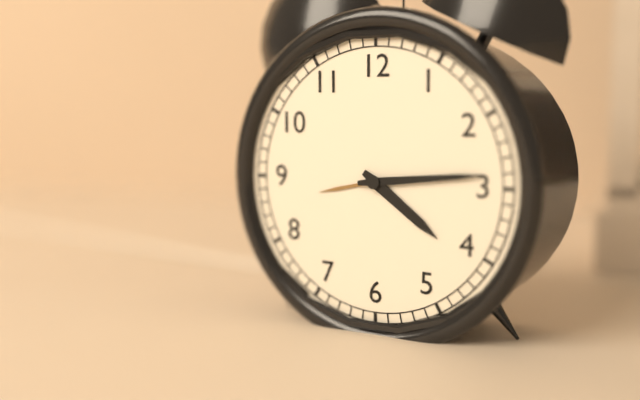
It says 4 h 14 min
